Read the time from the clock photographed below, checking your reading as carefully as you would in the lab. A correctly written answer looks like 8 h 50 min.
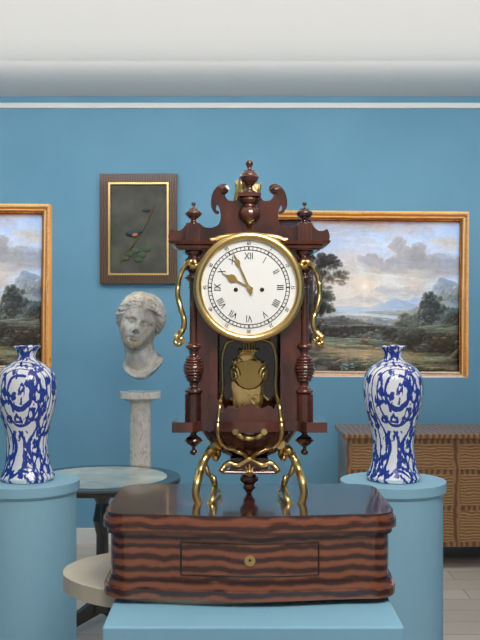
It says 9 h 56 min
